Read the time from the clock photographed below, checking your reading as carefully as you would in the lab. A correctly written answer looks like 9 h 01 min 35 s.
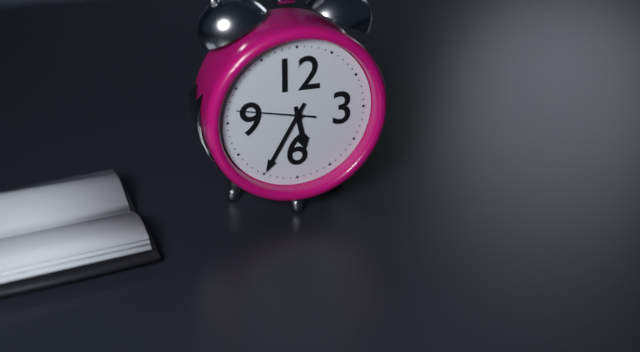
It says 5 h 35 min 47 s
